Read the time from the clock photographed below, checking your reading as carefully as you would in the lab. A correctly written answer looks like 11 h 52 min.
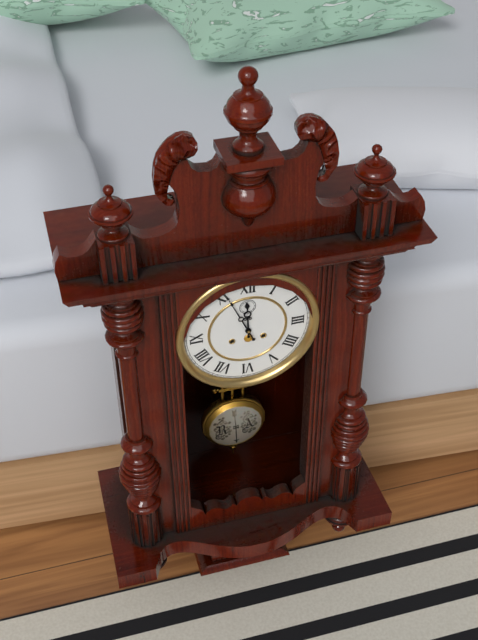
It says 11 h 56 min
